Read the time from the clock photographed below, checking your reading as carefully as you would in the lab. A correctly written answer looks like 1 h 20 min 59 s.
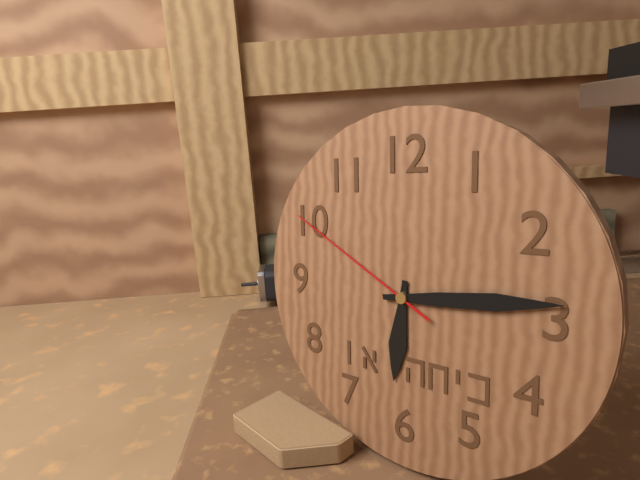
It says 6 h 14 min 50 s
